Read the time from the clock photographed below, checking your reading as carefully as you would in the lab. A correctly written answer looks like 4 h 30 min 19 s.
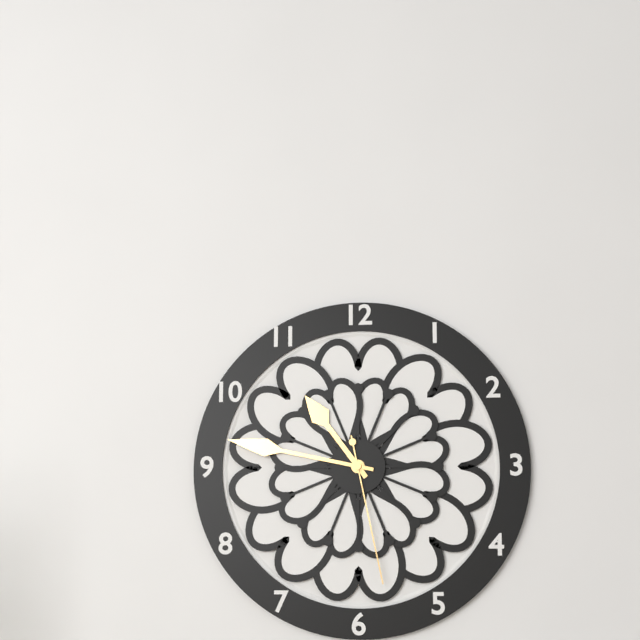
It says 10 h 47 min 28 s
